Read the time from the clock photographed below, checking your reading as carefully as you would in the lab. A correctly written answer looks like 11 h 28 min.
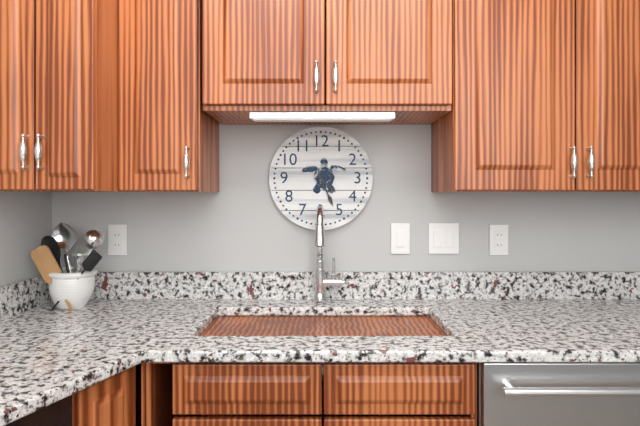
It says 4 h 26 min
